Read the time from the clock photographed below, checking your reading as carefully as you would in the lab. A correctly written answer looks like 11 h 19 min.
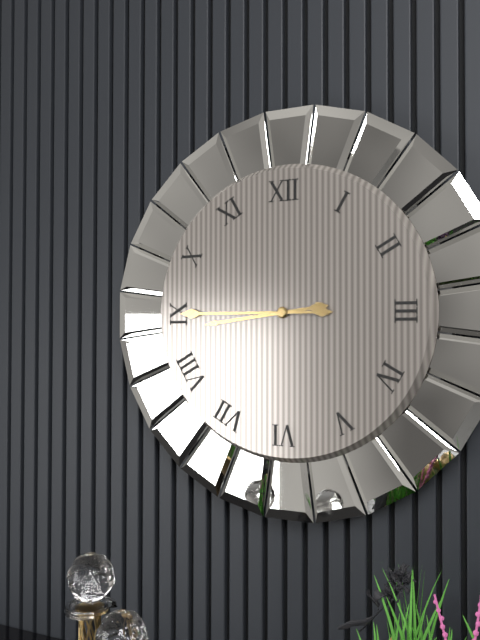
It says 8 h 45 min
